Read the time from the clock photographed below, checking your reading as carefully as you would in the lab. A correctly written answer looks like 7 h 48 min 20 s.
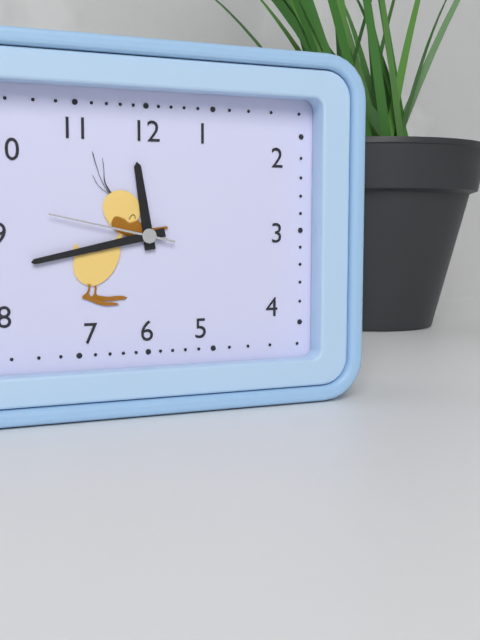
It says 11 h 43 min 47 s
